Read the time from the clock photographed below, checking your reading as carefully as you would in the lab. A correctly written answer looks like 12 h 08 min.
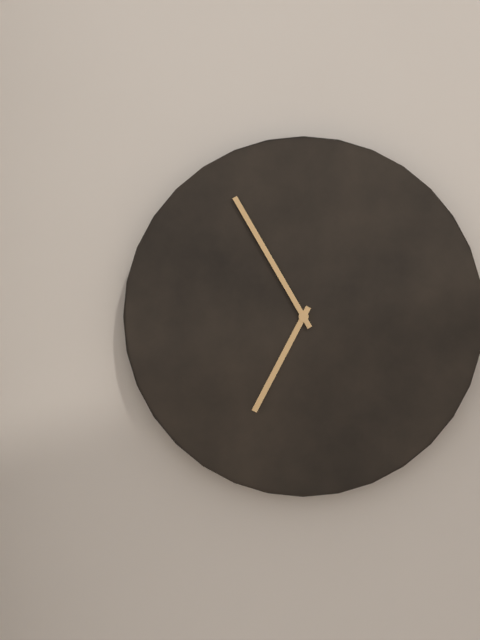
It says 6 h 55 min
